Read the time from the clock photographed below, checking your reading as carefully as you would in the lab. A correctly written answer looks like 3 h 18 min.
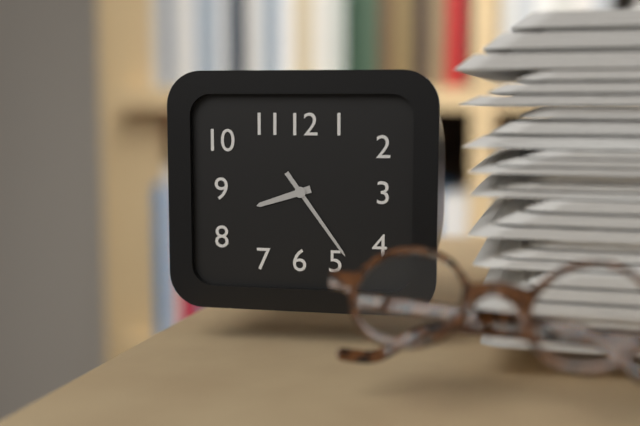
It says 8 h 24 min
